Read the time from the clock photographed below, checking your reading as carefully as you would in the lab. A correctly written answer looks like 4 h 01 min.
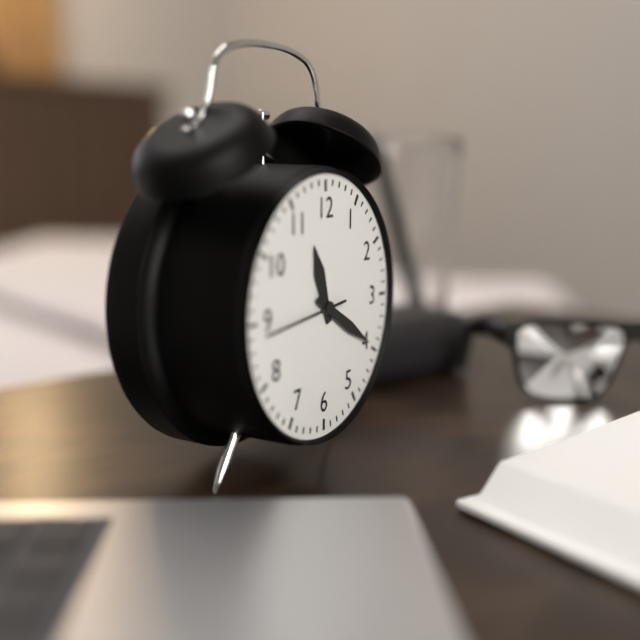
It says 11 h 20 min
